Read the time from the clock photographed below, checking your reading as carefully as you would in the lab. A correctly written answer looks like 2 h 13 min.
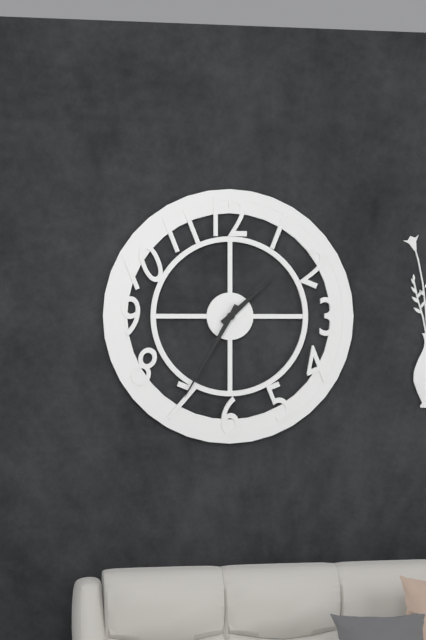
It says 1 h 35 min
